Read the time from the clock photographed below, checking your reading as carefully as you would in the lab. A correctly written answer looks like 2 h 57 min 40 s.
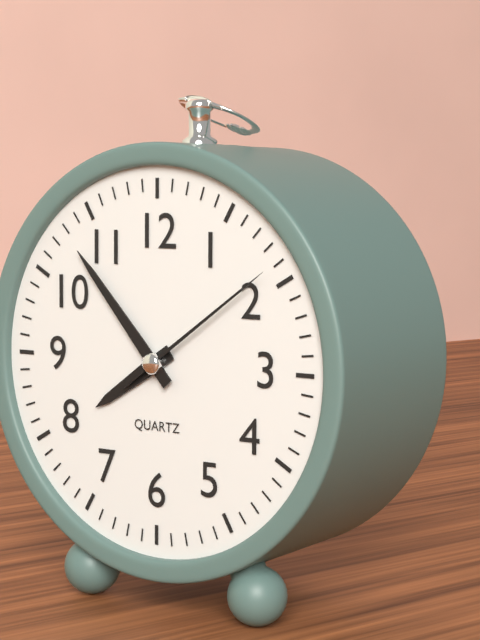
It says 7 h 53 min 09 s
